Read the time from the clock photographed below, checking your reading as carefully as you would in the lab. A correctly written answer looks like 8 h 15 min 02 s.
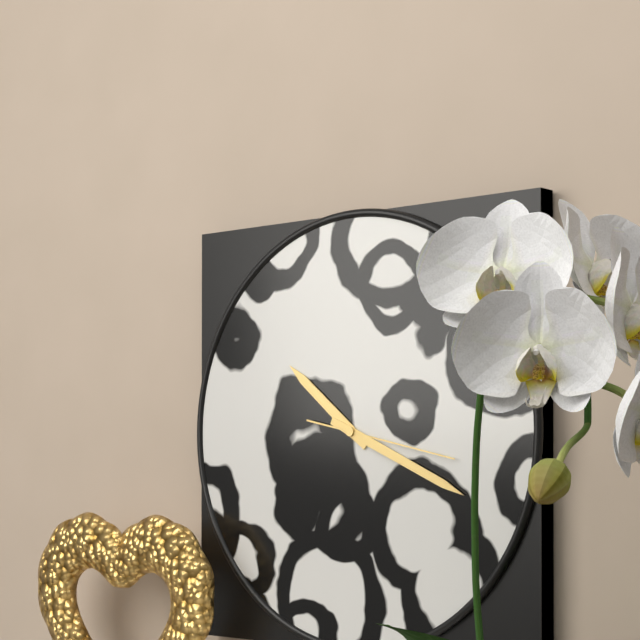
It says 10 h 19 min 17 s
